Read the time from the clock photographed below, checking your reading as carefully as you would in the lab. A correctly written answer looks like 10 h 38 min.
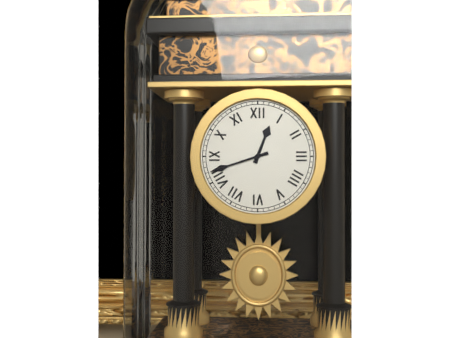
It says 12 h 42 min
